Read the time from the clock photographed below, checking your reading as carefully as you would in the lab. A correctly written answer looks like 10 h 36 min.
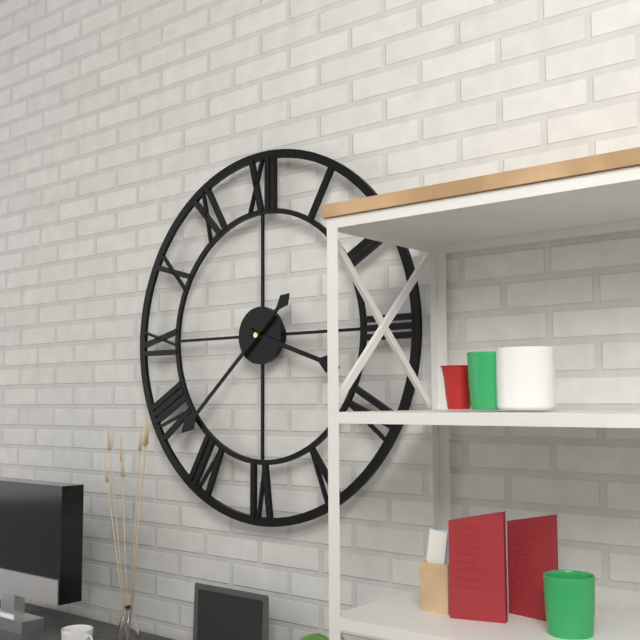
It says 3 h 38 min
